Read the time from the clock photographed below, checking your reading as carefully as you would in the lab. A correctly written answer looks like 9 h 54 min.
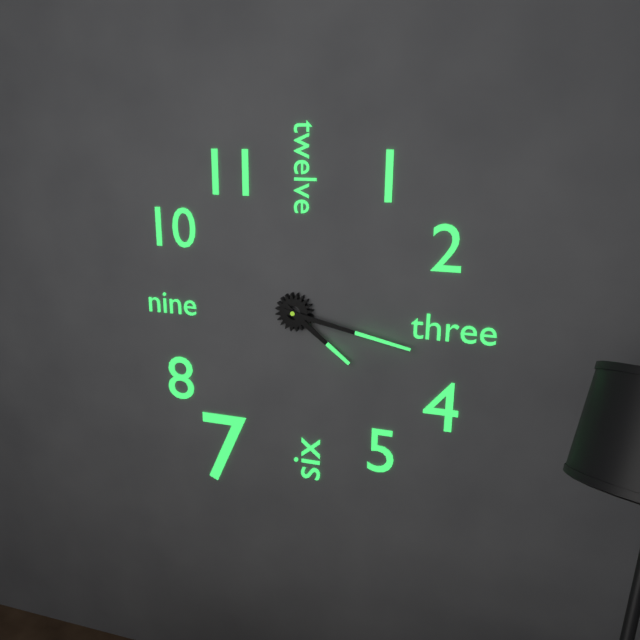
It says 4 h 17 min
